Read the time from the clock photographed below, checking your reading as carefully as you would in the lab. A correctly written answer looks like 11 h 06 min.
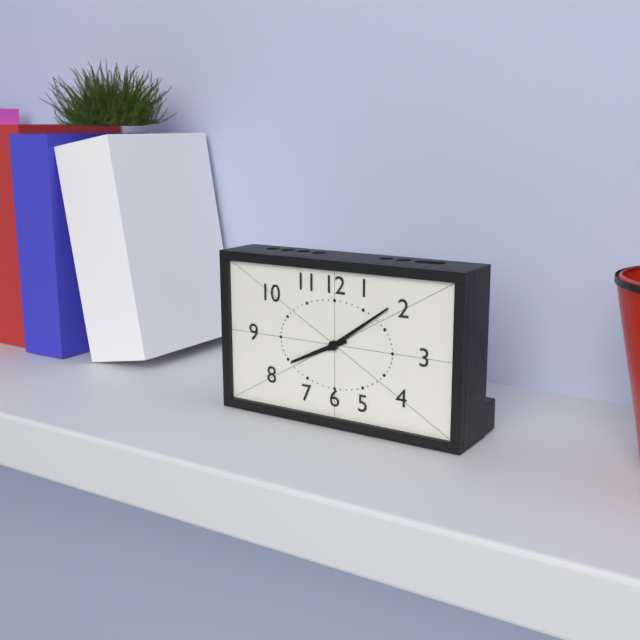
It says 8 h 09 min
